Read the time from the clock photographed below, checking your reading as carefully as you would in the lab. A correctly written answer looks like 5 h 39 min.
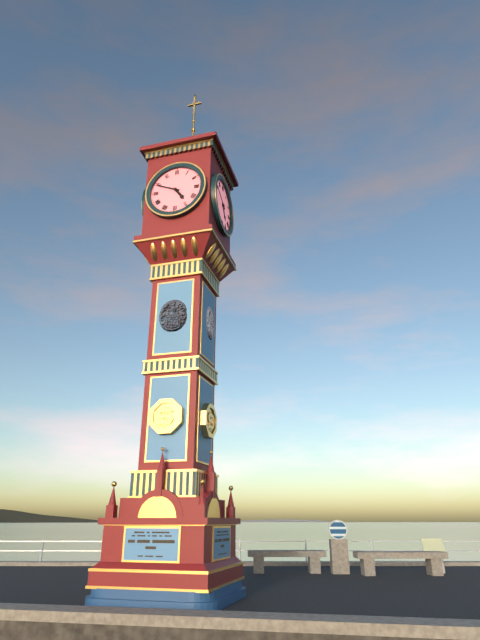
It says 4 h 49 min
